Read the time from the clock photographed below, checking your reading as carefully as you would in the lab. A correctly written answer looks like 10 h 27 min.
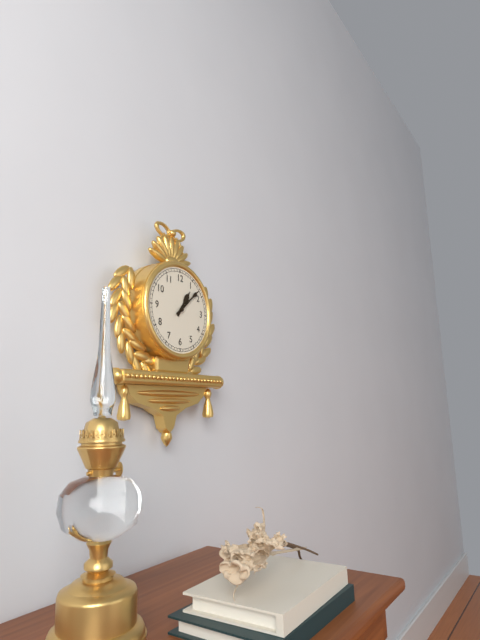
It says 1 h 08 min
